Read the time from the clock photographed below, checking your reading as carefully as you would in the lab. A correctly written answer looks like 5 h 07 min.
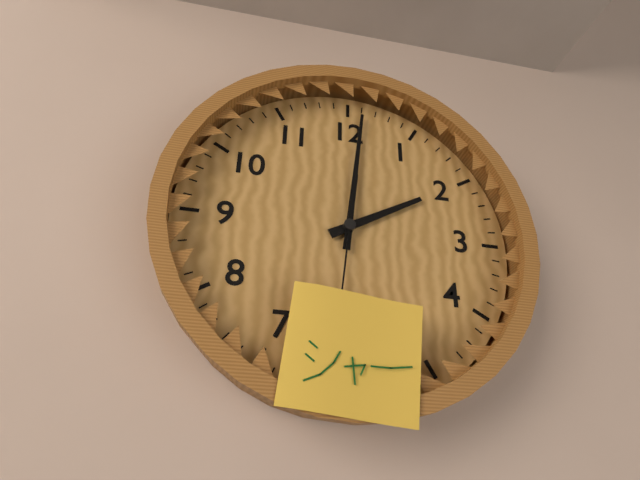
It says 2 h 01 min
